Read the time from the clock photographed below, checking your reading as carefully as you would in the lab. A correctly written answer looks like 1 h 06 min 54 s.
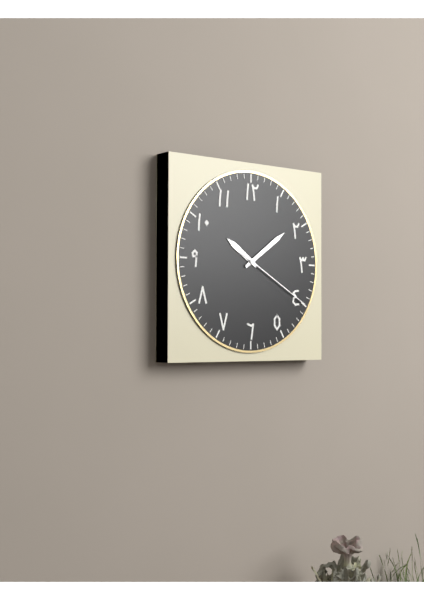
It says 10 h 09 min 20 s
